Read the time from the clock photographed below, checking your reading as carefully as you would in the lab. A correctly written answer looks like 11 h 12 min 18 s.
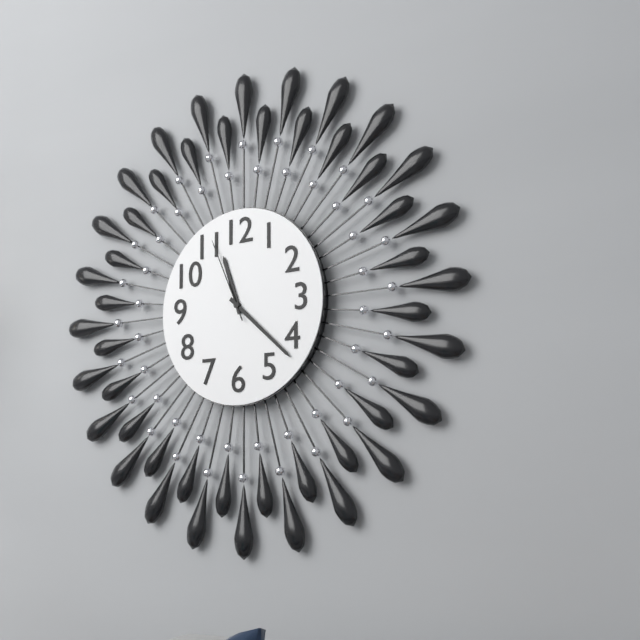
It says 11 h 22 min 56 s
